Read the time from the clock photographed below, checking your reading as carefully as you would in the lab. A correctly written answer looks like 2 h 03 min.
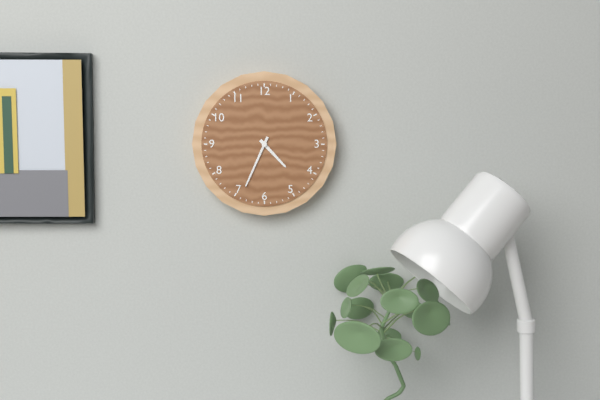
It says 4 h 34 min
